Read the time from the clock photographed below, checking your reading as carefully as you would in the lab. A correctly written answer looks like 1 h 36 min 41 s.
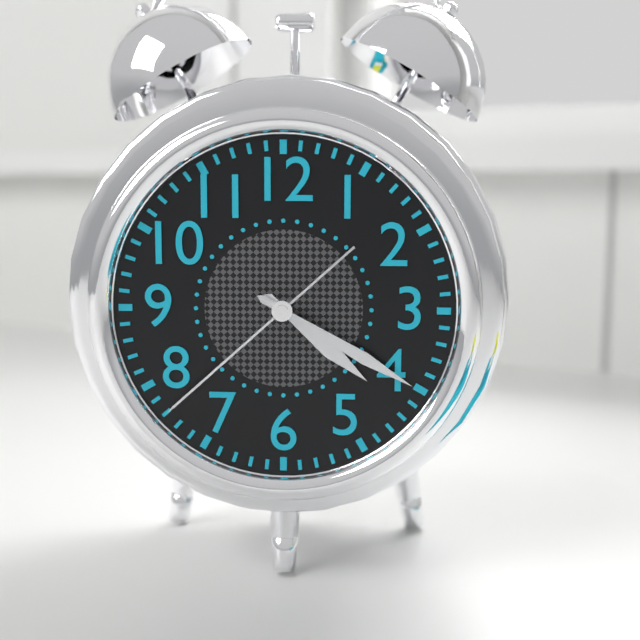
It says 4 h 20 min 38 s
